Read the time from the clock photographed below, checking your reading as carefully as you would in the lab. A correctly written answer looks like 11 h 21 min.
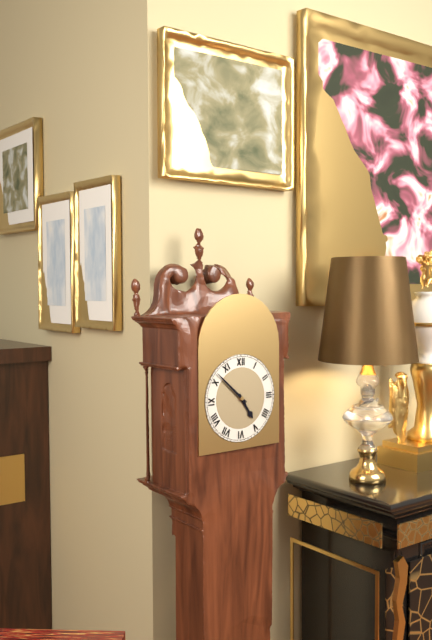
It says 4 h 52 min
